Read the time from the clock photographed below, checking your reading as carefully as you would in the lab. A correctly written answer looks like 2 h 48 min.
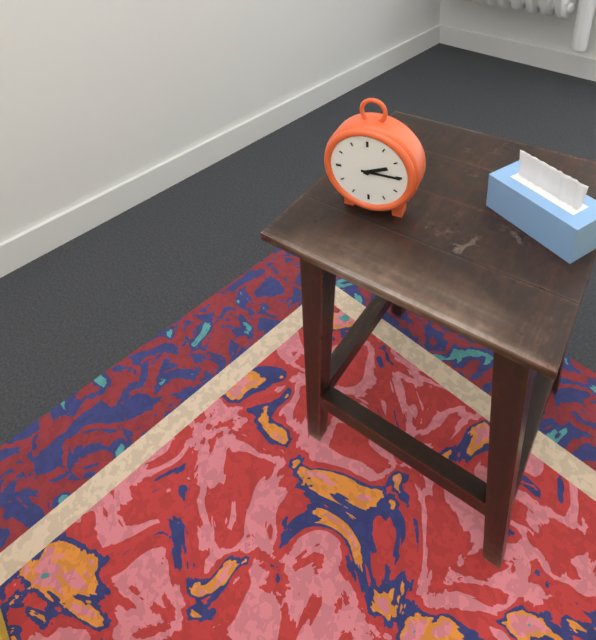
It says 2 h 15 min
